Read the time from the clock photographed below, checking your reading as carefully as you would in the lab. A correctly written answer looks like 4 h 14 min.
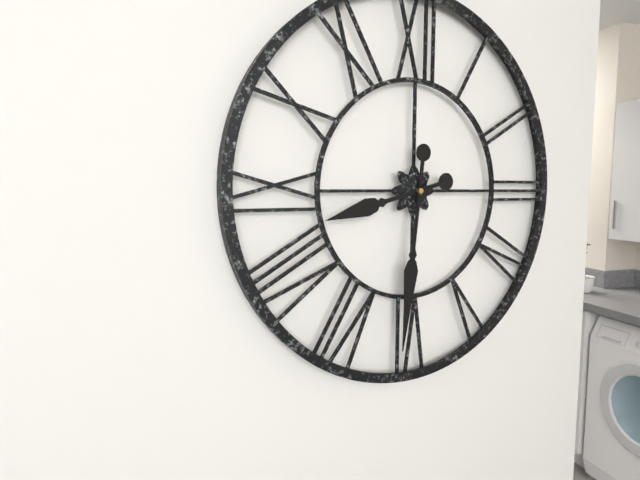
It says 8 h 31 min
